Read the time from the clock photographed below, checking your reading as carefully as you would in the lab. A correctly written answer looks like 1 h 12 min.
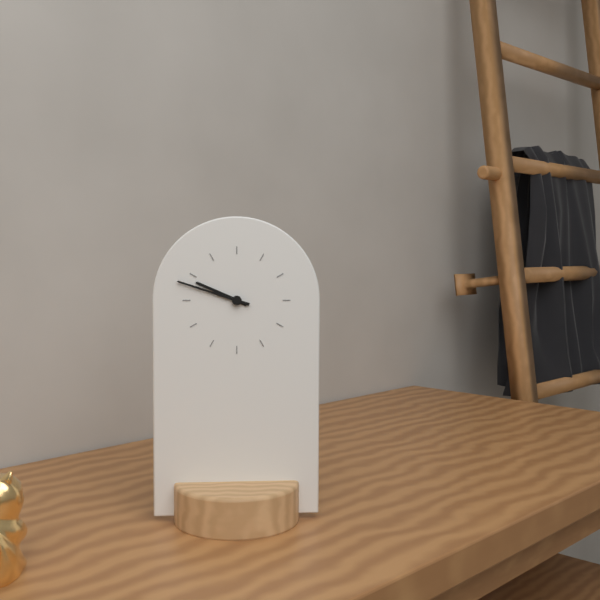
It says 9 h 48 min
